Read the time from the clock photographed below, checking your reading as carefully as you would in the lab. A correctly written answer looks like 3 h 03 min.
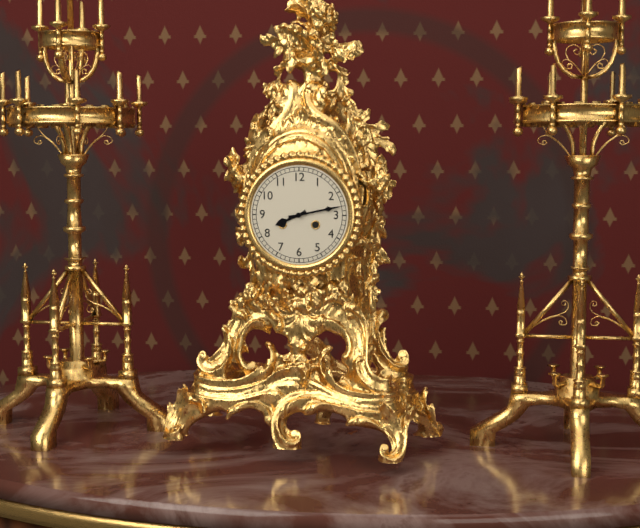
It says 8 h 13 min
